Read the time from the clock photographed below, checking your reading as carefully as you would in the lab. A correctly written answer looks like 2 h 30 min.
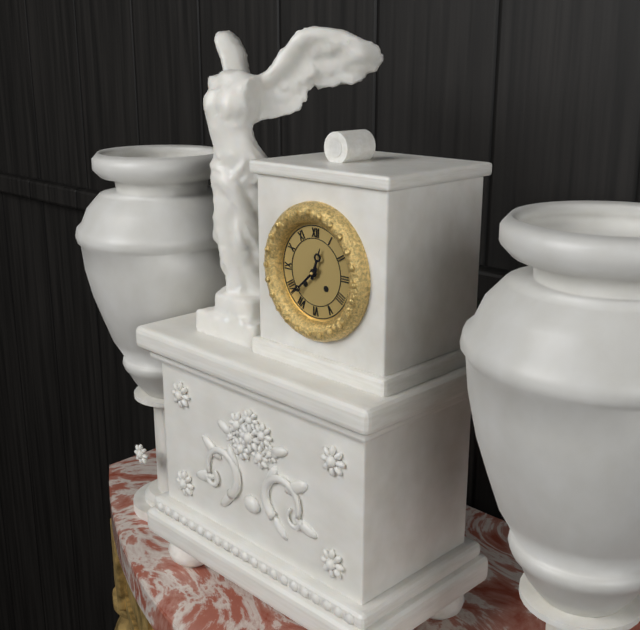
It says 12 h 38 min
